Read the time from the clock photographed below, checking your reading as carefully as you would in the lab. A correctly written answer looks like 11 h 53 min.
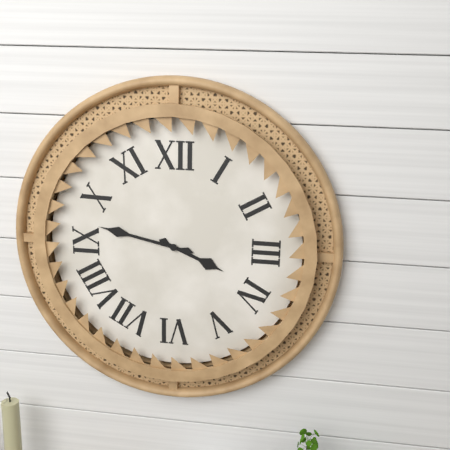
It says 3 h 47 min
